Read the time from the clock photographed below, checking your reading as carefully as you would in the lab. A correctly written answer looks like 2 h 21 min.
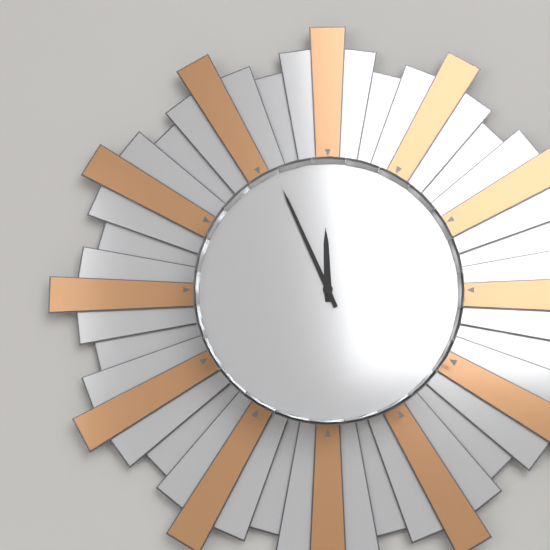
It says 11 h 56 min
